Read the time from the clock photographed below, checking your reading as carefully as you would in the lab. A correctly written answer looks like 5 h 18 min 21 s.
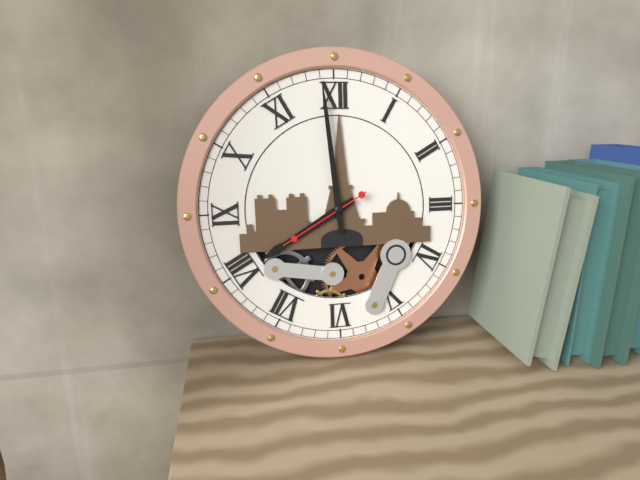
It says 7 h 59 min 40 s
